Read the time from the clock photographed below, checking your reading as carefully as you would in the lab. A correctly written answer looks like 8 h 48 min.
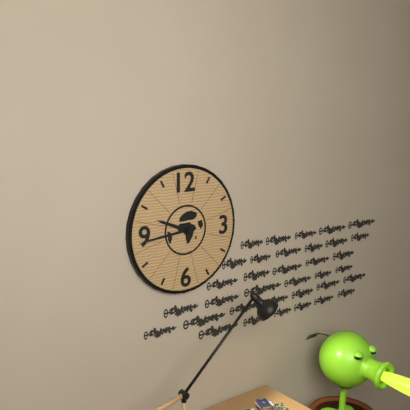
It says 9 h 44 min
